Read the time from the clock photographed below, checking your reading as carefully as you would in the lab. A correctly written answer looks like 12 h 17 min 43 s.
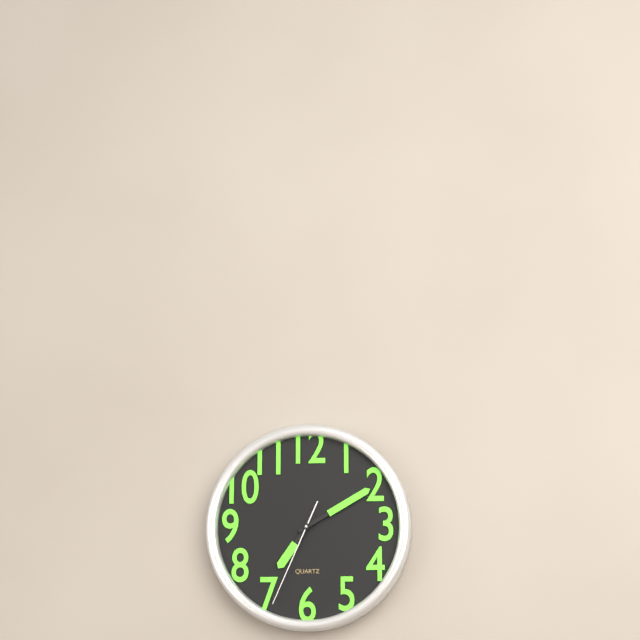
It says 7 h 10 min 34 s
